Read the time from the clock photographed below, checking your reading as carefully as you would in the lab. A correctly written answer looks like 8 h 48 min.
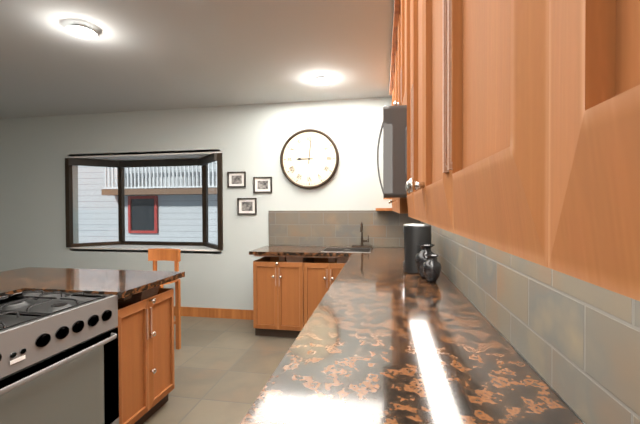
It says 9 h 01 min
